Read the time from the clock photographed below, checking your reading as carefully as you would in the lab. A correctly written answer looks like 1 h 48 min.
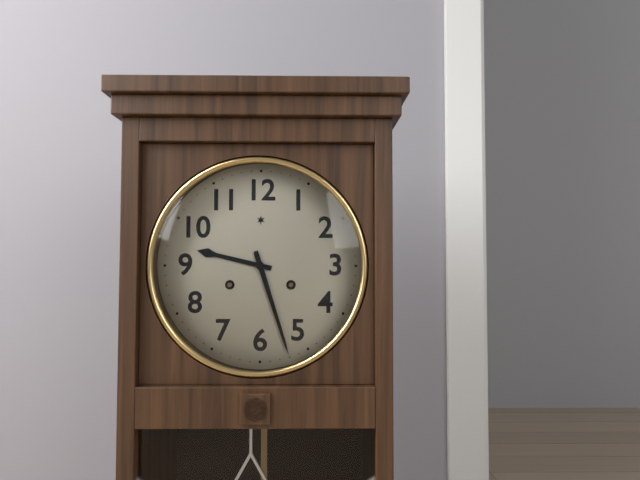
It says 9 h 27 min
